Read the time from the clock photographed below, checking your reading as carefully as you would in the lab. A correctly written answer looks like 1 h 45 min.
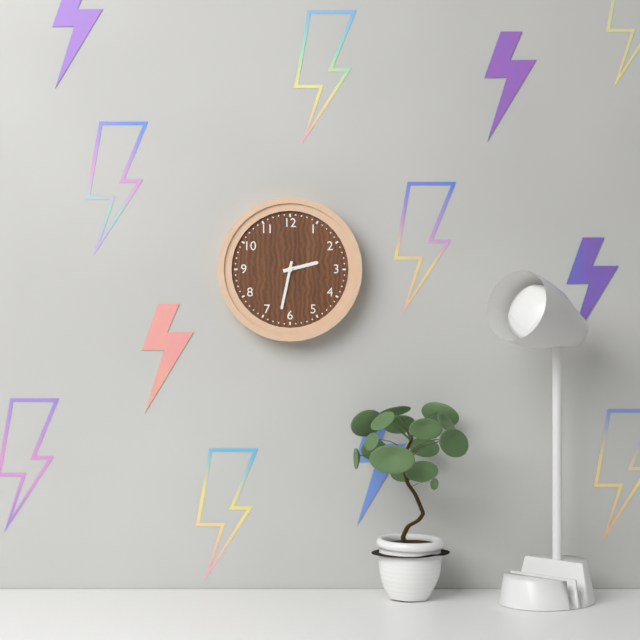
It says 2 h 32 min
